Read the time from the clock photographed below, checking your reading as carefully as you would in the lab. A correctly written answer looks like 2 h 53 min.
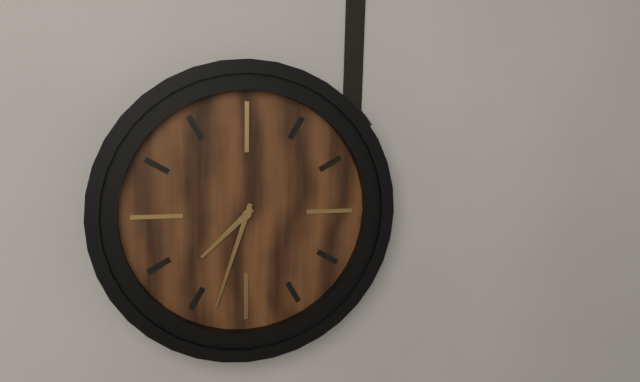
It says 7 h 33 min
